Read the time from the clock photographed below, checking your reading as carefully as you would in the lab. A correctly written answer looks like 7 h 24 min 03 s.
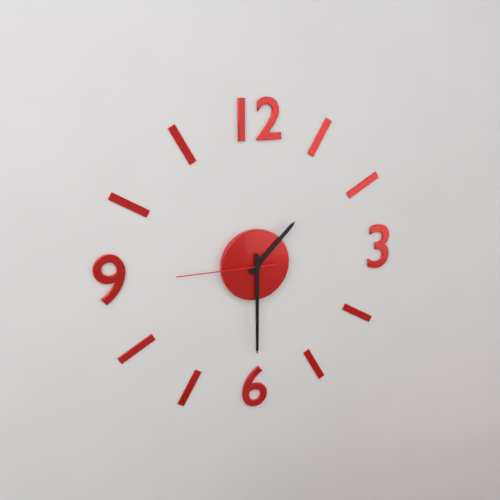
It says 1 h 30 min 45 s
